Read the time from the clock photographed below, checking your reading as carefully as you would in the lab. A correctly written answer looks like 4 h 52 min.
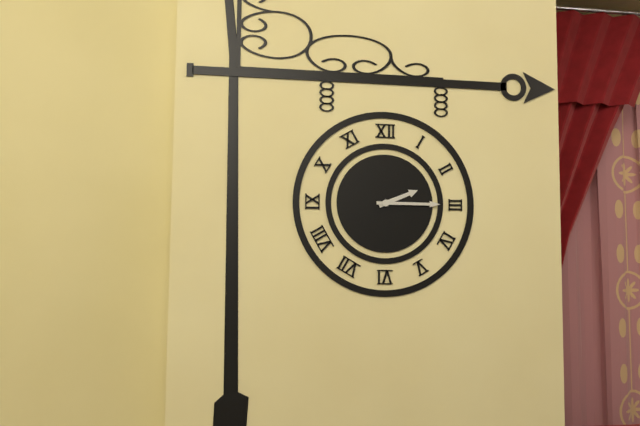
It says 2 h 15 min
